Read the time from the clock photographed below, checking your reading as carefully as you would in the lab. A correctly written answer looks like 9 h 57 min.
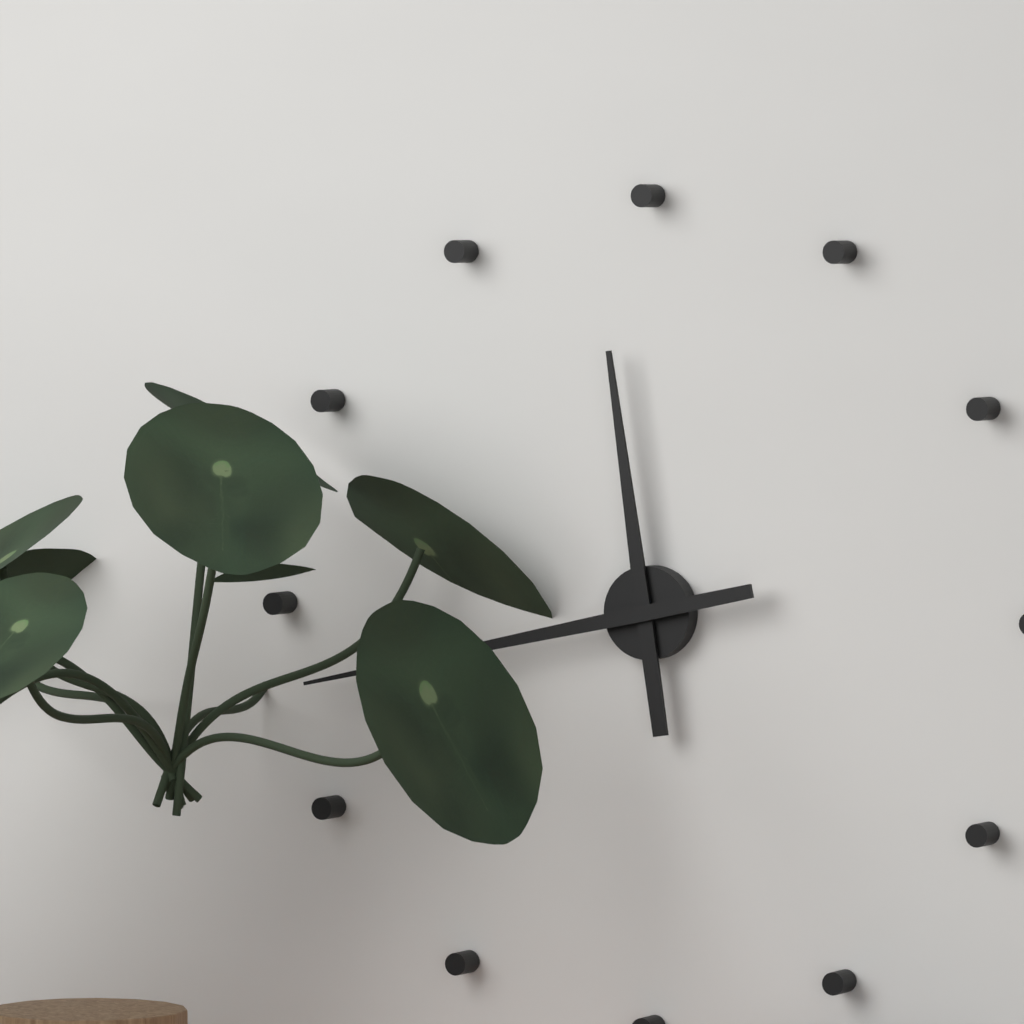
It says 11 h 43 min
